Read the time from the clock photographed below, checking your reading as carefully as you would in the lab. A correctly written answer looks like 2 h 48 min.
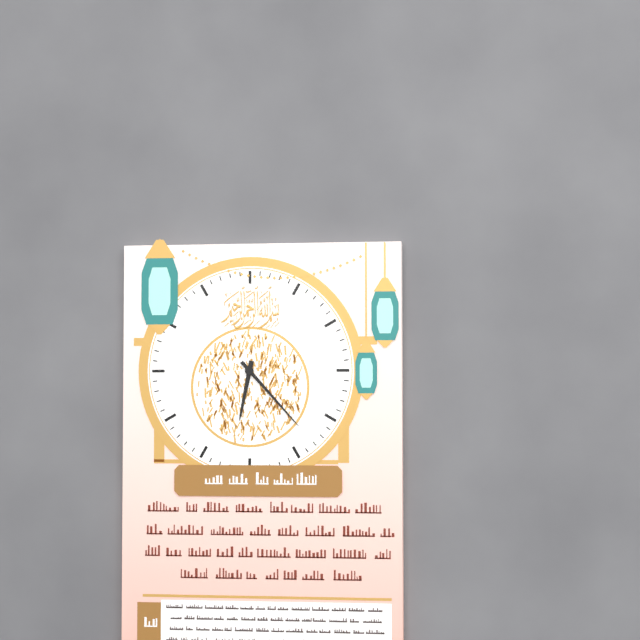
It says 6 h 23 min
